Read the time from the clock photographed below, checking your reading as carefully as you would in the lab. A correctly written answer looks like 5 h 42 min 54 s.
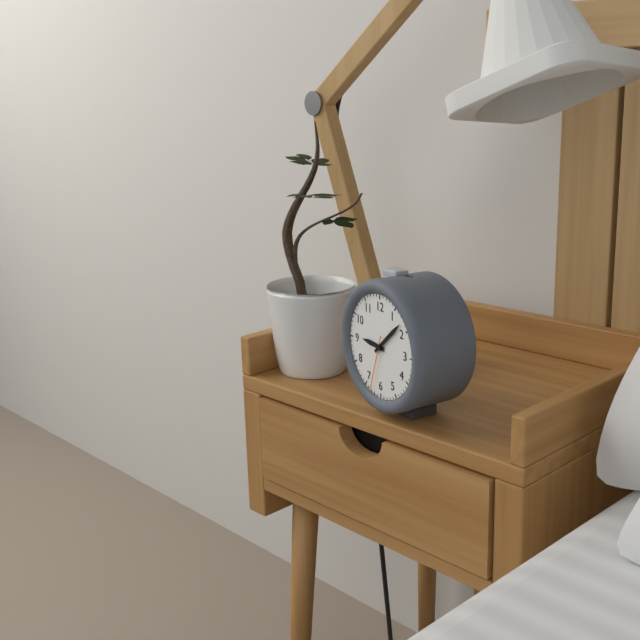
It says 9 h 08 min 33 s
